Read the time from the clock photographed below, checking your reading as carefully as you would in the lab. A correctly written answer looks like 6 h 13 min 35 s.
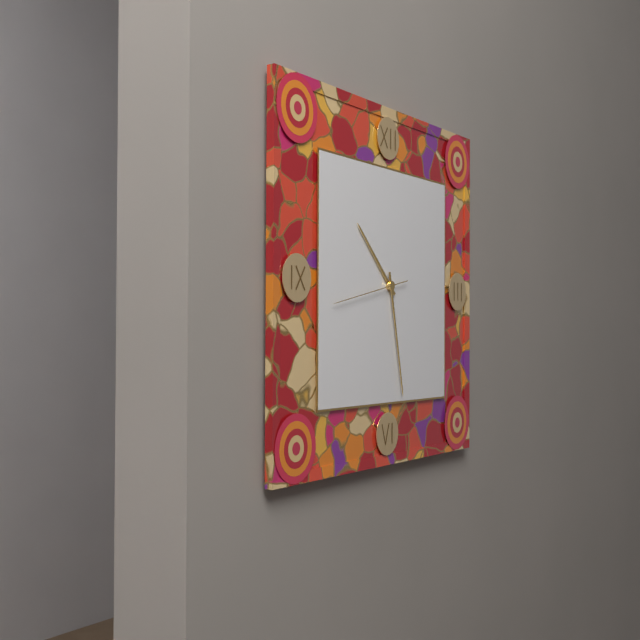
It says 10 h 28 min 43 s
